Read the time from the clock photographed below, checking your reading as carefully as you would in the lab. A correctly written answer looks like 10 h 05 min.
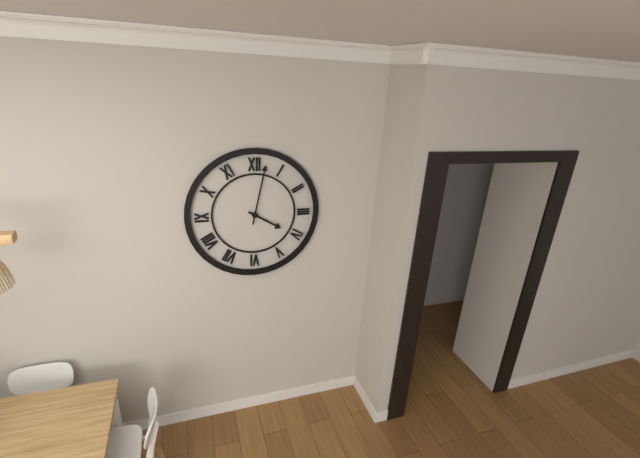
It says 4 h 02 min
